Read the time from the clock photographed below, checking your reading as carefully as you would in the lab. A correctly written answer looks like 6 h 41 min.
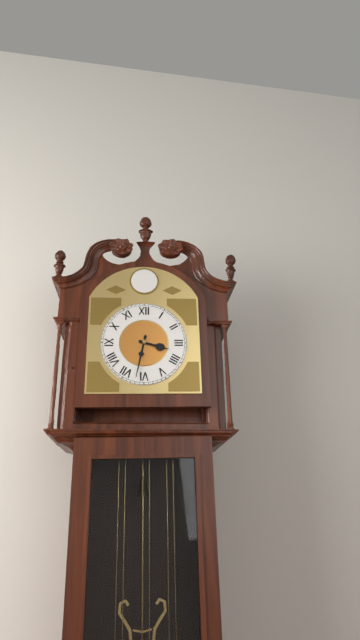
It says 3 h 32 min
